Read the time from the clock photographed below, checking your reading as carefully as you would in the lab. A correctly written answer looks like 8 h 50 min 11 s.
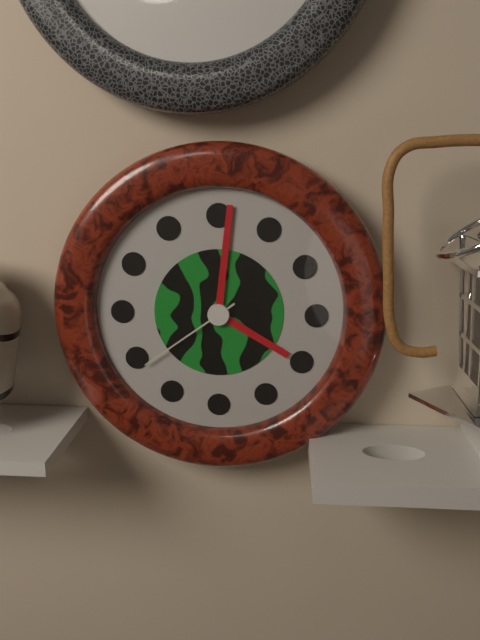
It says 4 h 01 min 39 s
